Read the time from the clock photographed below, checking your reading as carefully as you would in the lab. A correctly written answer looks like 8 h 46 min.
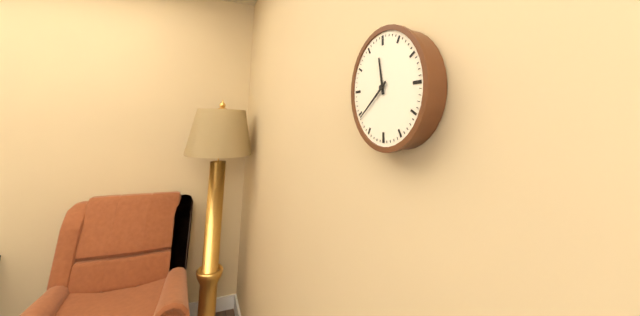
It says 11 h 39 min
